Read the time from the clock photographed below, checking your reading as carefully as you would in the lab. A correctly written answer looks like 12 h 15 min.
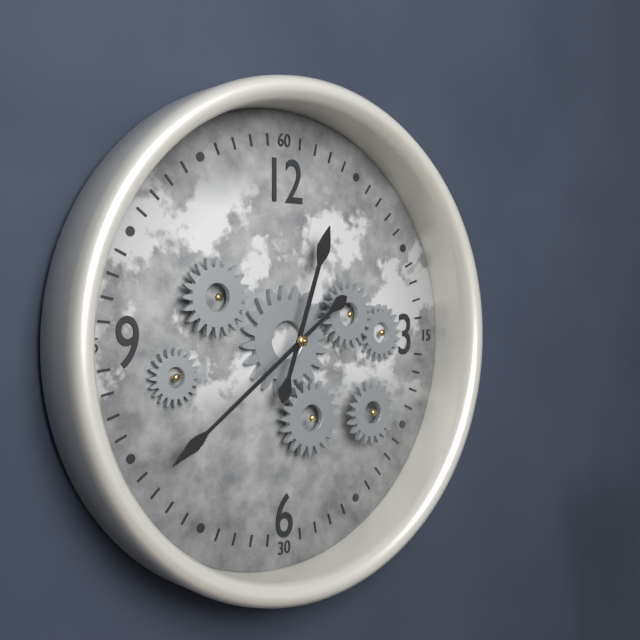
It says 12 h 39 min
